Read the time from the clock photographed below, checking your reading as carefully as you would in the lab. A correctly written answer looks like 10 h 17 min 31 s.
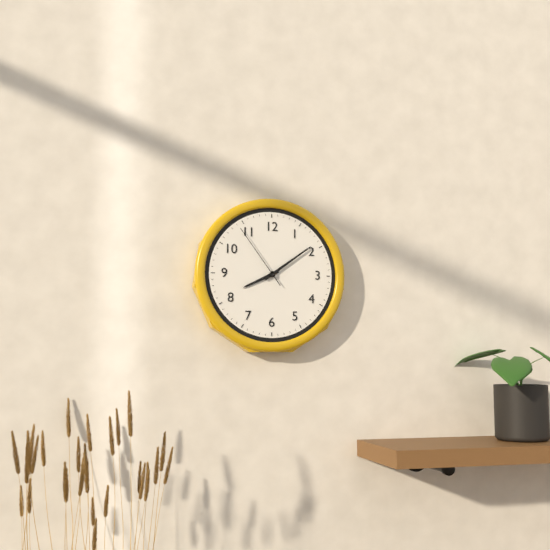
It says 8 h 09 min 54 s
